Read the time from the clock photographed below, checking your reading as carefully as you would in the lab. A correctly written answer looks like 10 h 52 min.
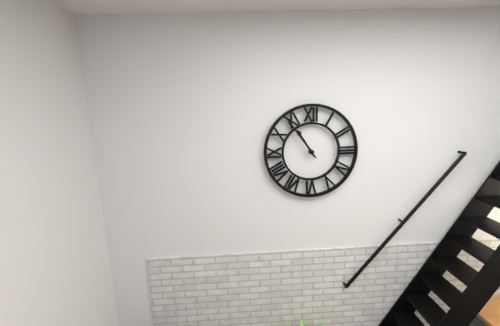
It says 10 h 54 min
